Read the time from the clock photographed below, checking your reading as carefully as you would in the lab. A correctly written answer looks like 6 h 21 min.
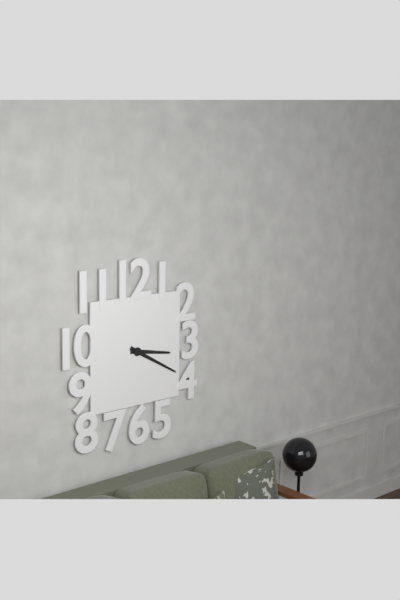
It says 3 h 20 min
